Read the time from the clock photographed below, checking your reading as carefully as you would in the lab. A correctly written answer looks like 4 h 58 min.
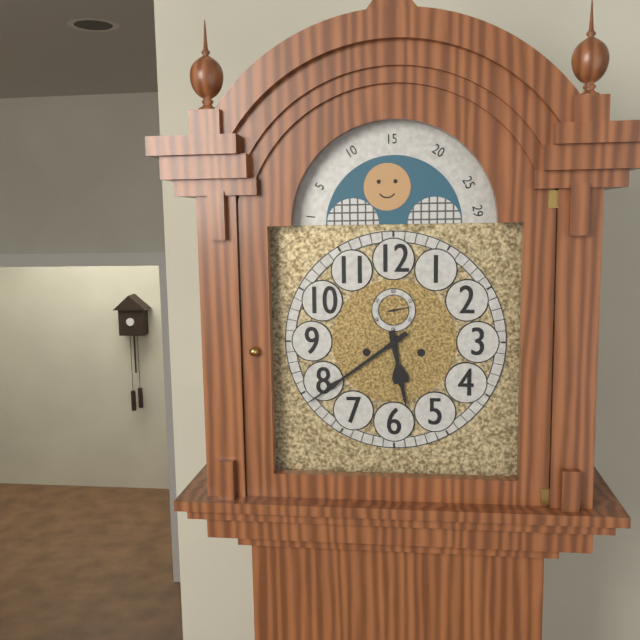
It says 5 h 39 min
